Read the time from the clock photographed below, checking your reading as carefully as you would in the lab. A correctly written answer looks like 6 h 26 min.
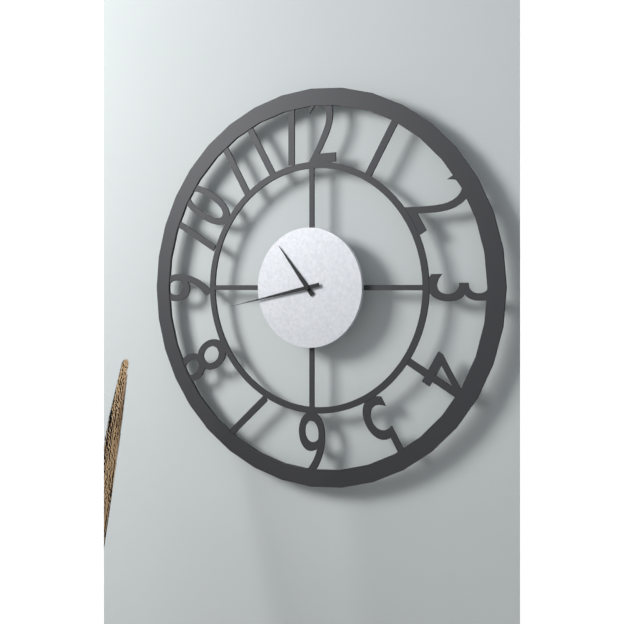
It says 10 h 43 min
